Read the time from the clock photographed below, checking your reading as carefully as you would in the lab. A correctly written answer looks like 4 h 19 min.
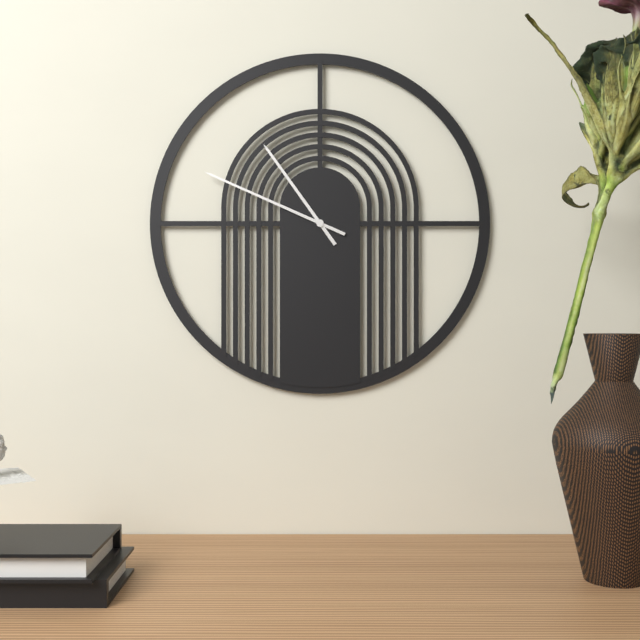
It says 10 h 49 min
